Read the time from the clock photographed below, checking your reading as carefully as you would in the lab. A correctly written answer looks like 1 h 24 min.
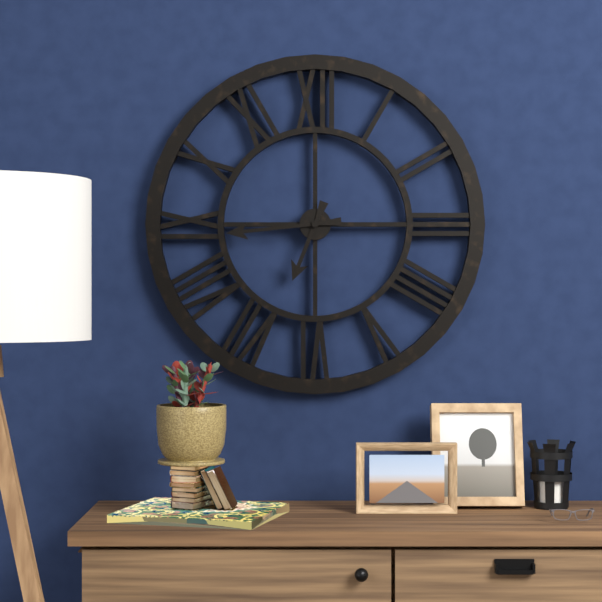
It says 6 h 44 min
